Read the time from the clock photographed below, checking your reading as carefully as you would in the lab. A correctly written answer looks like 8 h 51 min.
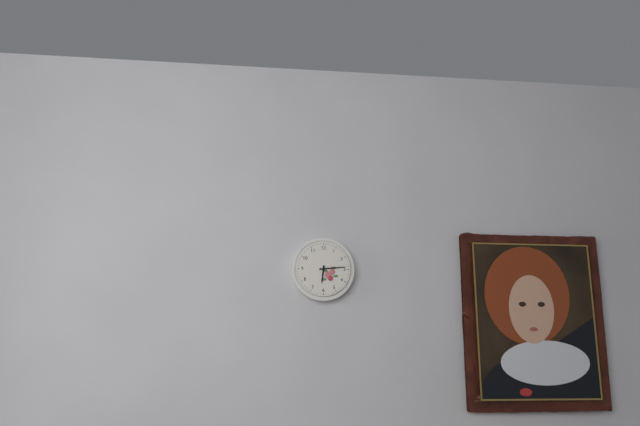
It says 6 h 14 min
